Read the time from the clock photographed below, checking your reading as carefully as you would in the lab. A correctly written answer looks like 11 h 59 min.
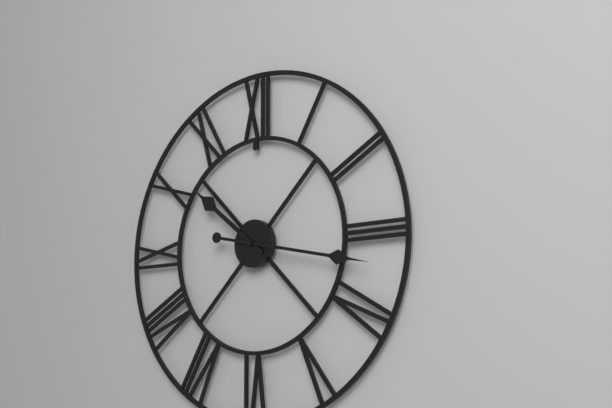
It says 10 h 17 min
